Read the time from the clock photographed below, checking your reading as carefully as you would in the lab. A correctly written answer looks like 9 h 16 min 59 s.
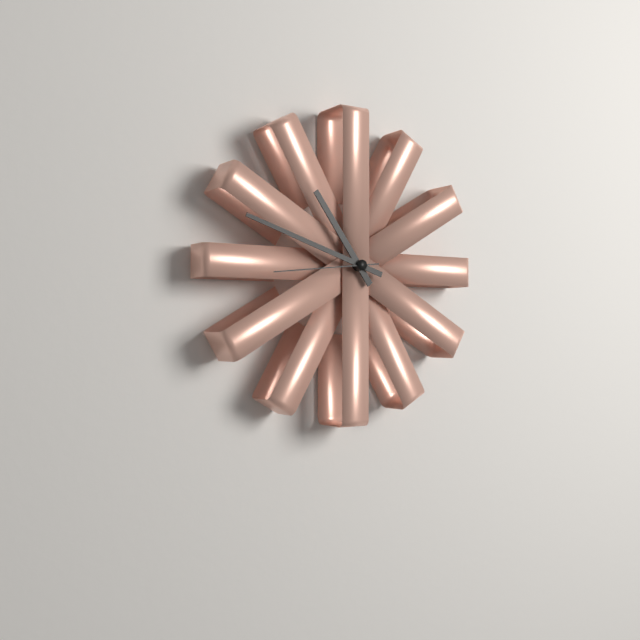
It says 10 h 48 min 44 s
